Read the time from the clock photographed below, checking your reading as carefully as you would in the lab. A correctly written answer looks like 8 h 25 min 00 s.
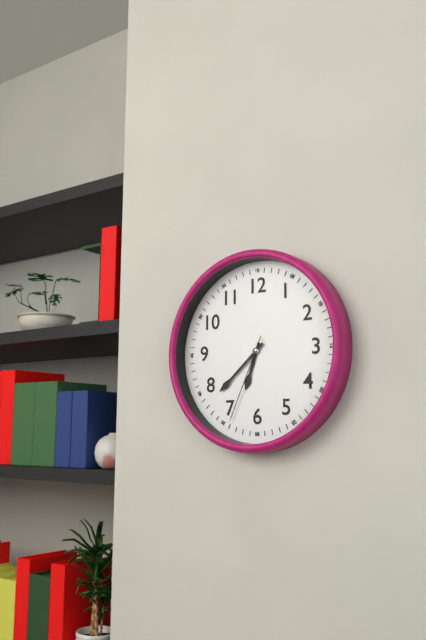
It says 6 h 38 min 34 s
